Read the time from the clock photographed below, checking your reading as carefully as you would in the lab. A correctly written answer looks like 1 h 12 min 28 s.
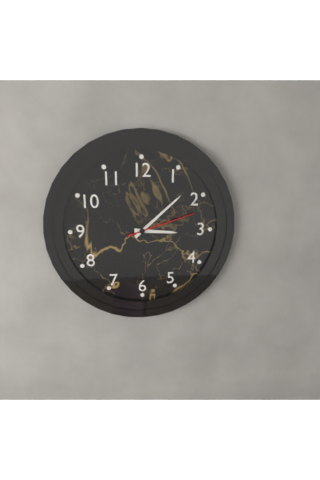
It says 3 h 08 min 12 s
